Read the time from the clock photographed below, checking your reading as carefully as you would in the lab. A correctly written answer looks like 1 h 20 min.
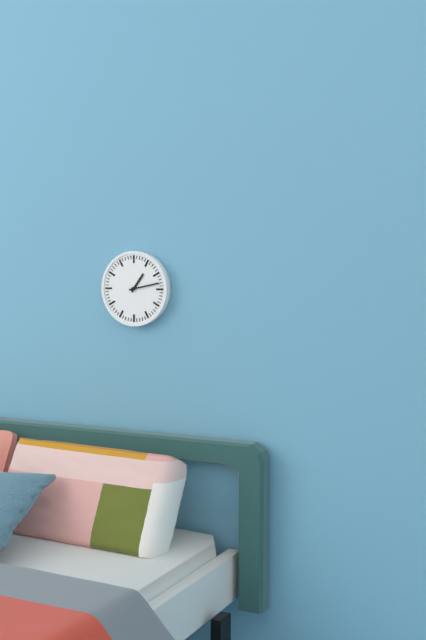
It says 1 h 13 min
